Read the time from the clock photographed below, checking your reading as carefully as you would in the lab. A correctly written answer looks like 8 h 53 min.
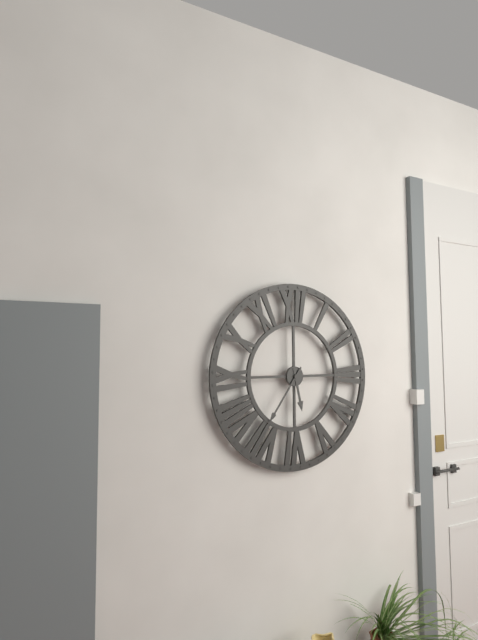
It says 5 h 36 min
